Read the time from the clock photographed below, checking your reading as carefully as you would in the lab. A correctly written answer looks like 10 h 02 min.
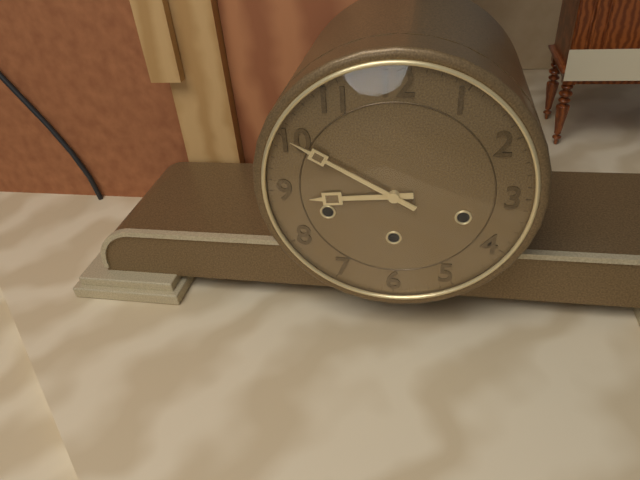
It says 8 h 50 min
